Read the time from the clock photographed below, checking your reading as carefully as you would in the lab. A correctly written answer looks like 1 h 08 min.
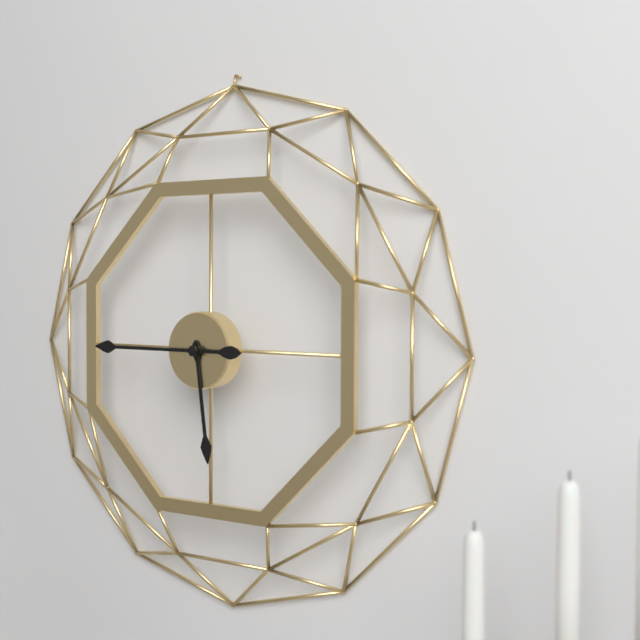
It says 5 h 45 min
